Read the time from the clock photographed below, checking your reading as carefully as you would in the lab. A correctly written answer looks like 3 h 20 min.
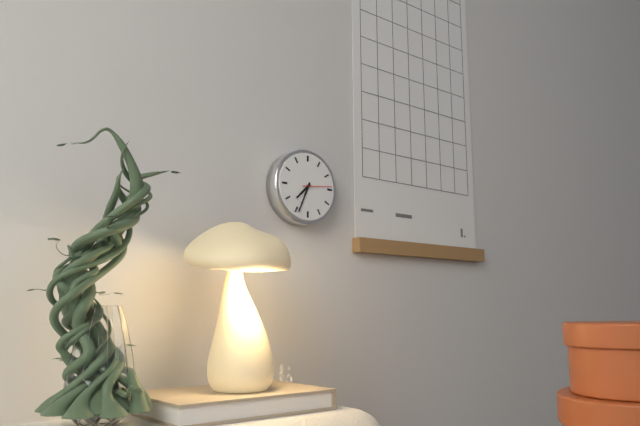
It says 7 h 34 min
